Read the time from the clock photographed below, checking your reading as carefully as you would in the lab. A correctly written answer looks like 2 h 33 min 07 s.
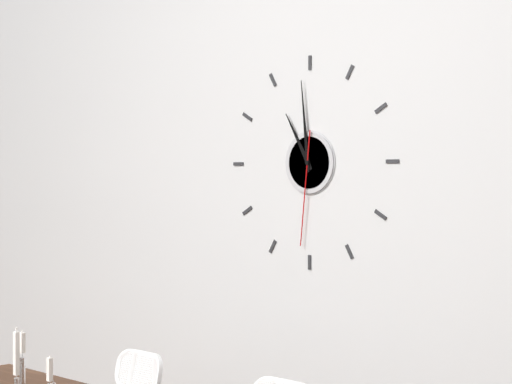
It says 10 h 59 min 31 s
